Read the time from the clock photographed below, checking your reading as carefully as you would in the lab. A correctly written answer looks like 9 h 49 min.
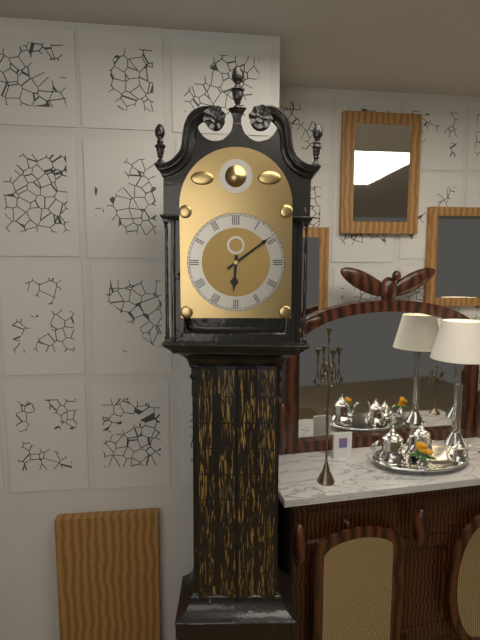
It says 6 h 09 min
